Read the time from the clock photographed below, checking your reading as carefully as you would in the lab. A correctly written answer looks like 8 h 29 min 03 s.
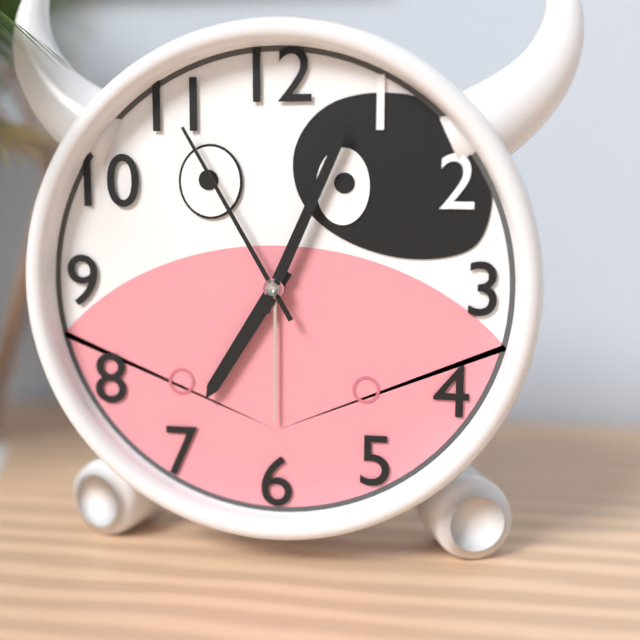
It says 7 h 04 min 55 s
